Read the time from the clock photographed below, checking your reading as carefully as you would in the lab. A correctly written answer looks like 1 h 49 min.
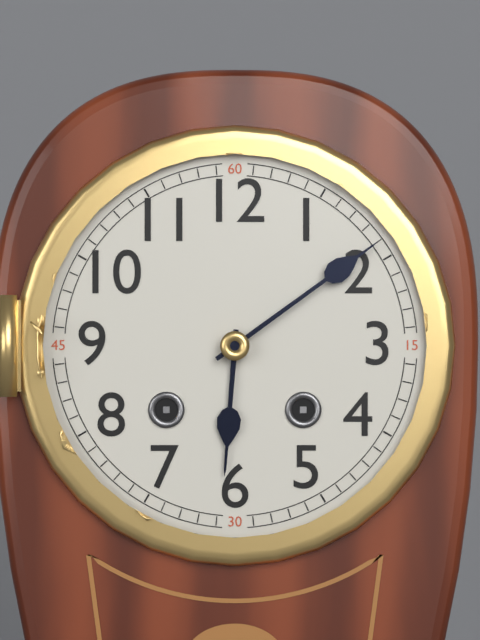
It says 6 h 09 min
